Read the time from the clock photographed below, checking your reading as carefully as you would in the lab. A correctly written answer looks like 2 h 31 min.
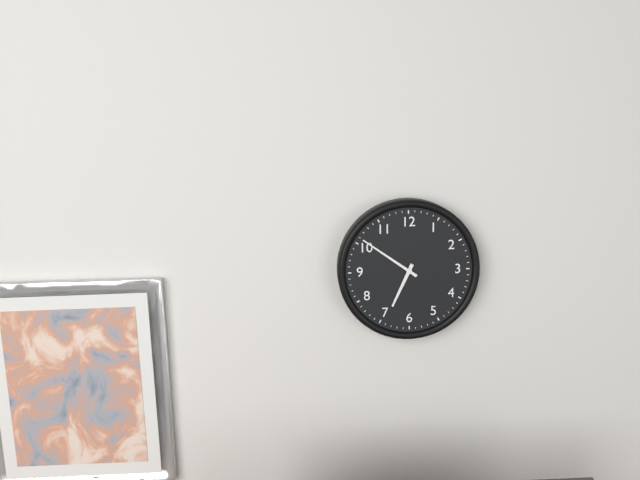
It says 6 h 51 min
